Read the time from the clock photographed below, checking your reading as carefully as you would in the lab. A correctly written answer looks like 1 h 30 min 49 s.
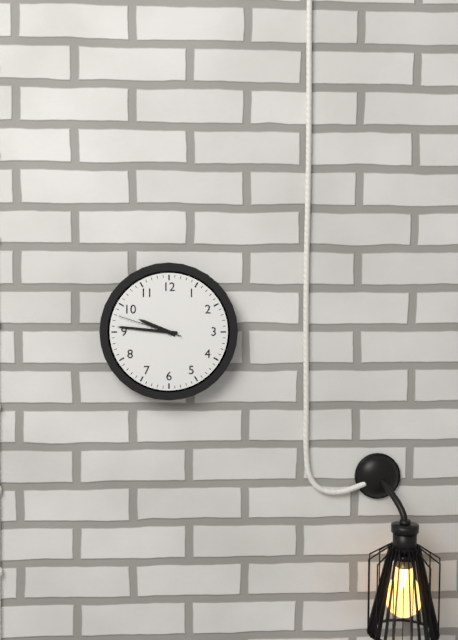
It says 9 h 46 min 48 s
